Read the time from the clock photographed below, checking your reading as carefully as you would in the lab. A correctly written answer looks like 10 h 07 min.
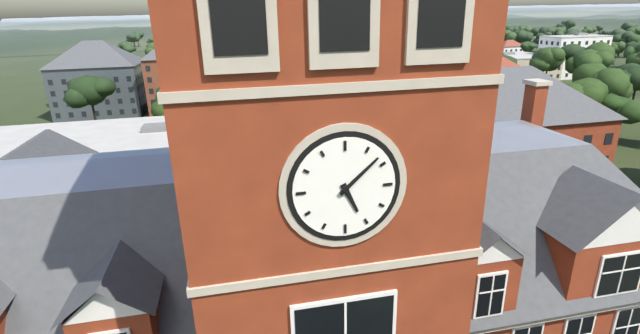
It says 5 h 08 min
